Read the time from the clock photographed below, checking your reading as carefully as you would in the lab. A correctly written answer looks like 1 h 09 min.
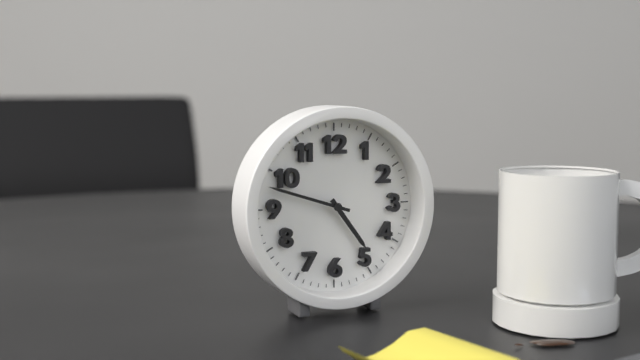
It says 4 h 48 min
